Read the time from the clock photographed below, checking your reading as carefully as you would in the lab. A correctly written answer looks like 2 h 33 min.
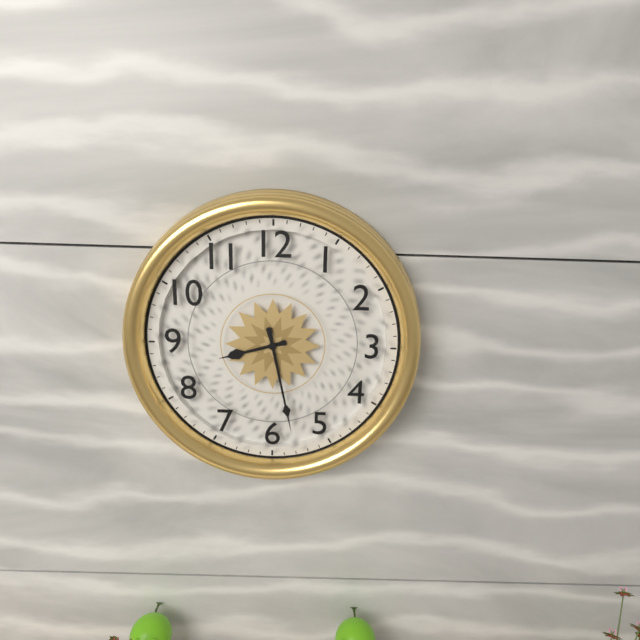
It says 8 h 28 min
